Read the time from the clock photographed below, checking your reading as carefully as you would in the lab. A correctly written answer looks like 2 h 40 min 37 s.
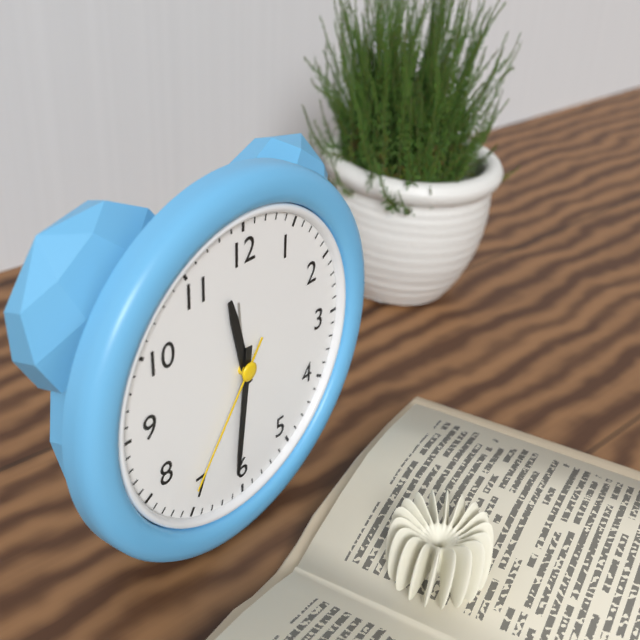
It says 11 h 31 min 36 s
